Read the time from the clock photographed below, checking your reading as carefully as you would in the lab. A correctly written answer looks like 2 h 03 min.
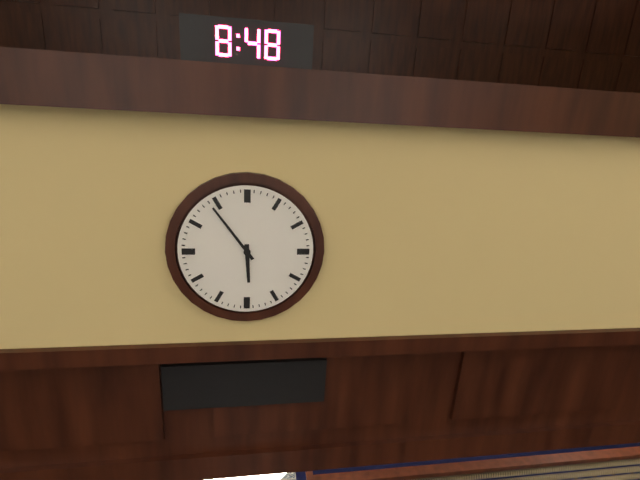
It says 5 h 54 min
